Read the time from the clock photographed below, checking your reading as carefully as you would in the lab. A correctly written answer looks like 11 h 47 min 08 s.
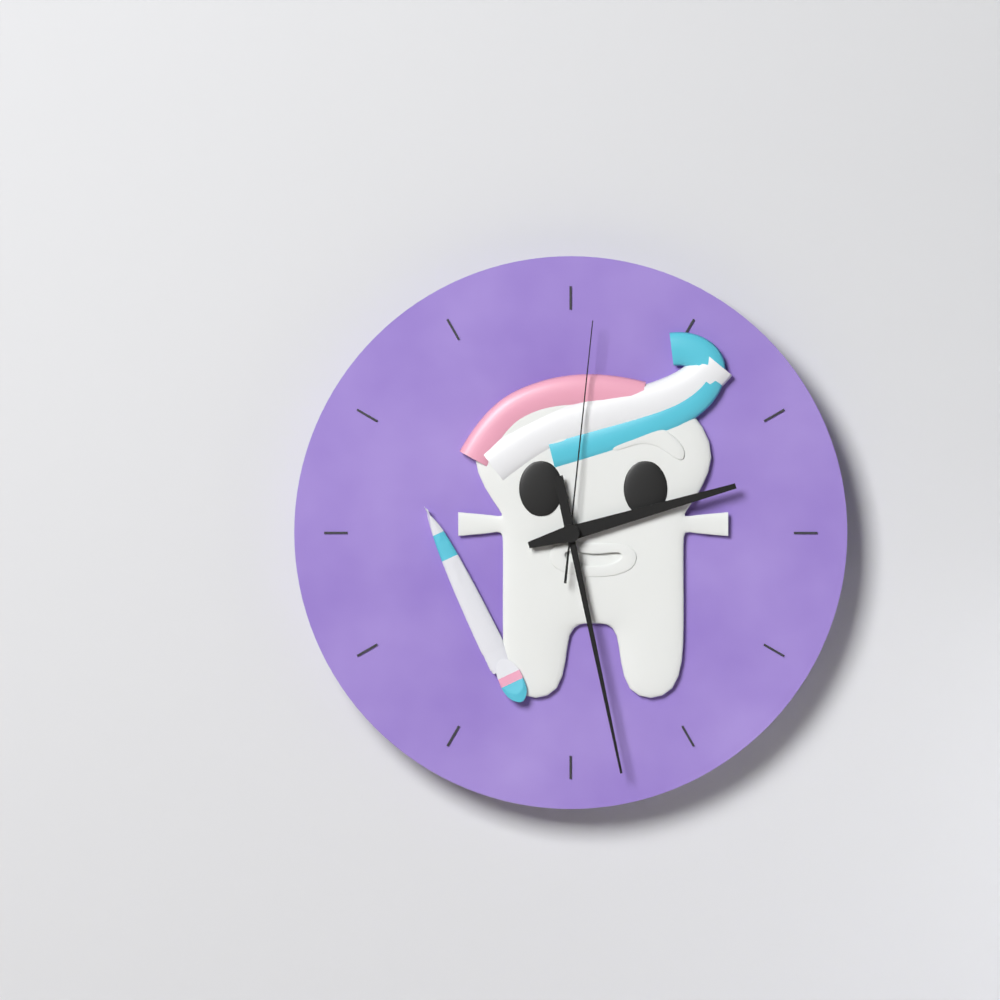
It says 2 h 28 min 01 s
